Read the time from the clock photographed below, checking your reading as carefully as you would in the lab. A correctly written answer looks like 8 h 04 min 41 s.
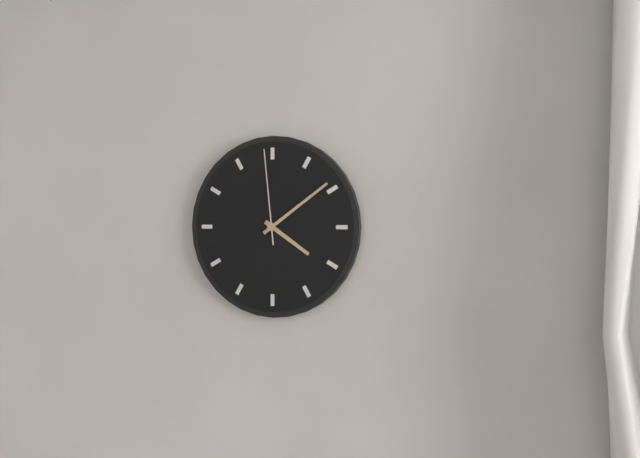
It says 4 h 09 min 59 s
